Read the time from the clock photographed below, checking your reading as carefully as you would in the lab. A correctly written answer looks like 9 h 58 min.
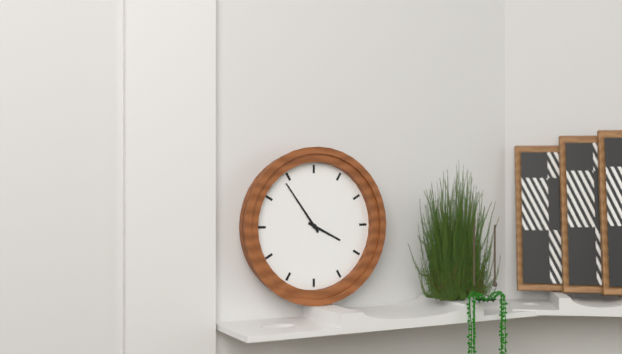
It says 3 h 54 min
